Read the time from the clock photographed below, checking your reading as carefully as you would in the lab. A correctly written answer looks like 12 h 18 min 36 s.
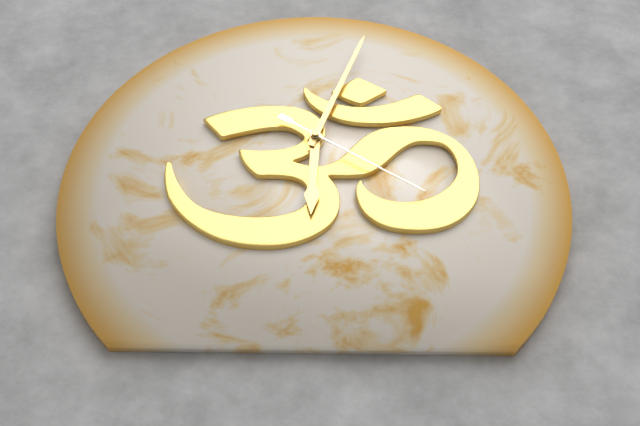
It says 6 h 03 min 21 s
